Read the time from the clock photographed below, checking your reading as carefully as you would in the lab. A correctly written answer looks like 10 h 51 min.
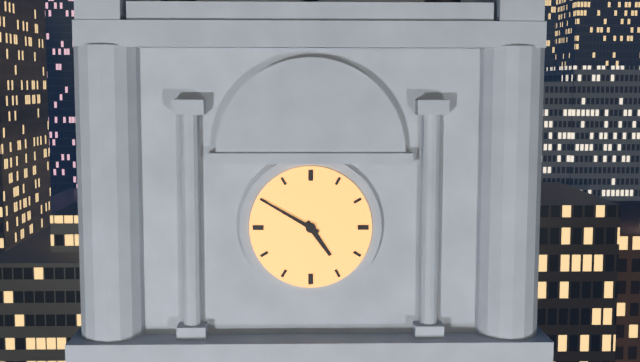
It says 4 h 50 min
